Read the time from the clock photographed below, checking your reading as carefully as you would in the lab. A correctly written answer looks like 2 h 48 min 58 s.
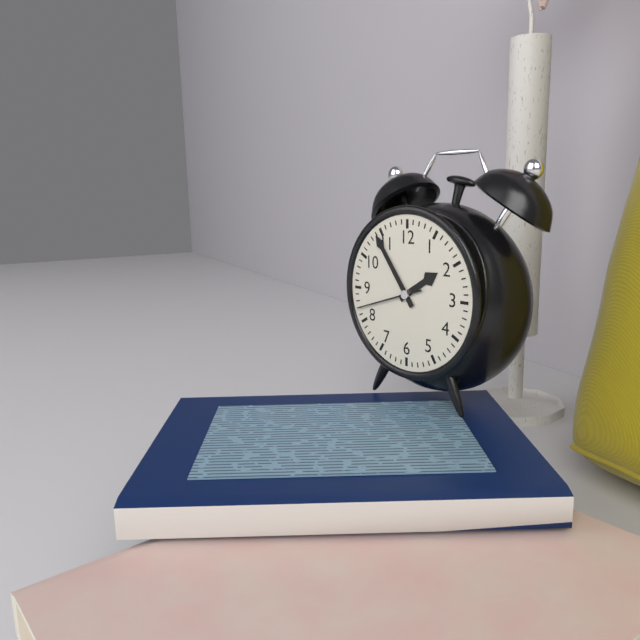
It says 1 h 54 min 42 s
